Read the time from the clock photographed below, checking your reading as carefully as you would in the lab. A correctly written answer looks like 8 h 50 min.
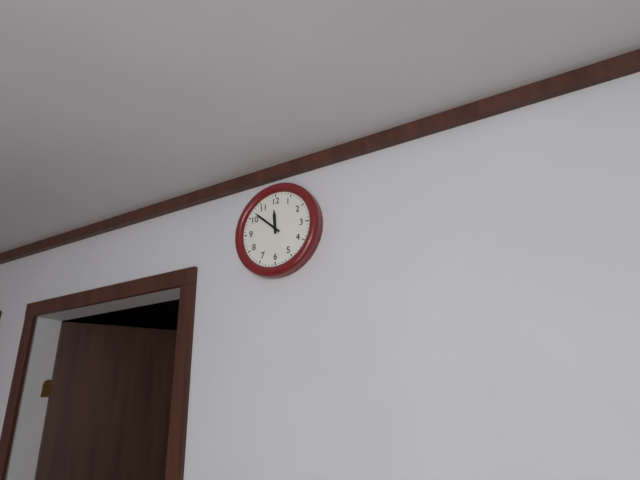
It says 11 h 52 min
